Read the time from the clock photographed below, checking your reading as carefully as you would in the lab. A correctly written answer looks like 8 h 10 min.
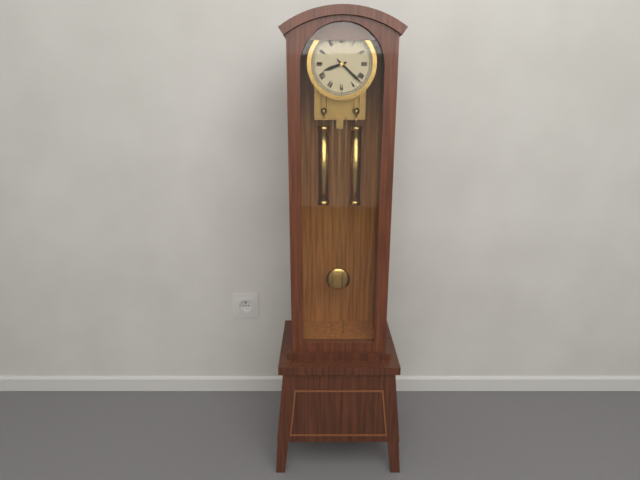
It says 8 h 22 min
